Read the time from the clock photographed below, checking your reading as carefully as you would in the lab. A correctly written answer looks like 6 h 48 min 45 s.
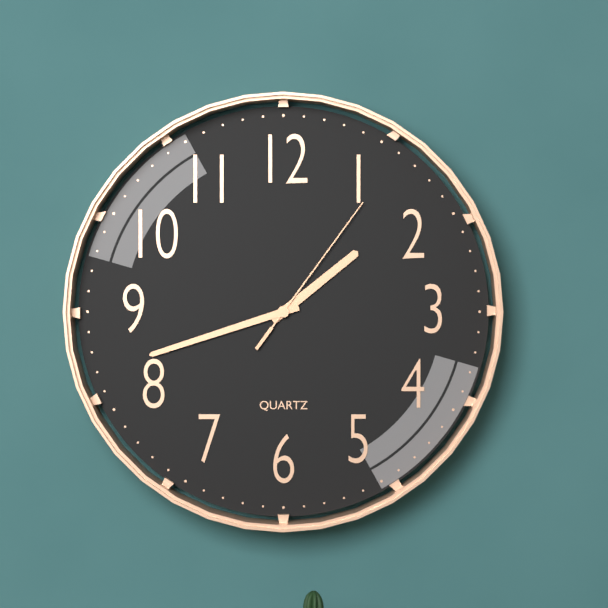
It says 1 h 42 min 06 s
